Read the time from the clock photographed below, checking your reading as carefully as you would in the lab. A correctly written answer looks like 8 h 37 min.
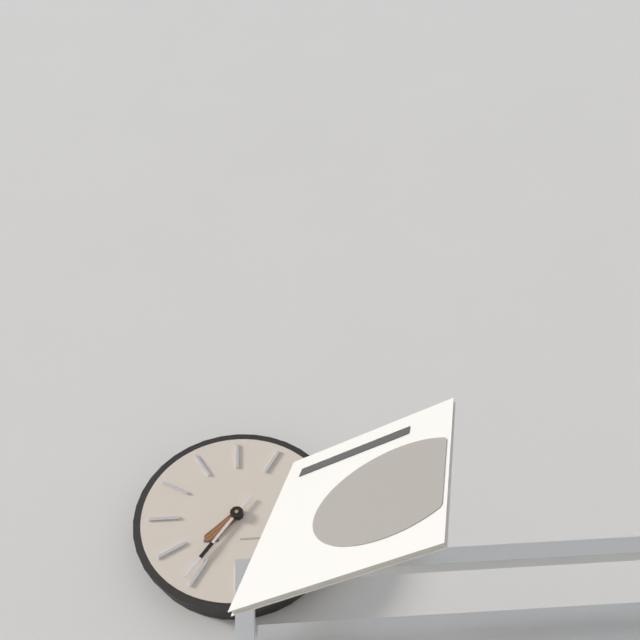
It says 7 h 36 min
